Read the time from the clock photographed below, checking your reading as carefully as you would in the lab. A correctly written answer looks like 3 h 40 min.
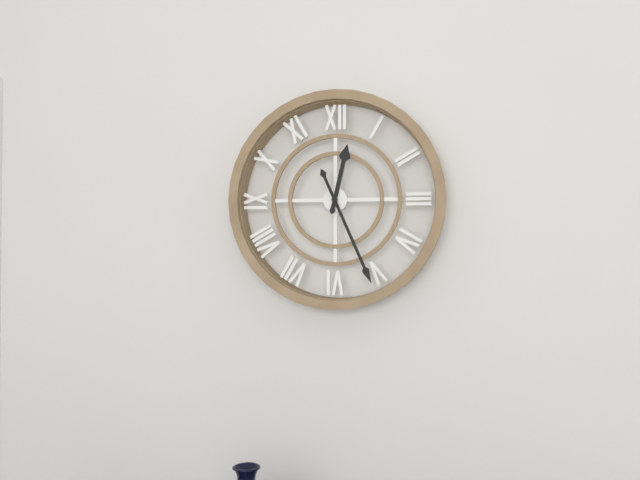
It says 12 h 26 min
